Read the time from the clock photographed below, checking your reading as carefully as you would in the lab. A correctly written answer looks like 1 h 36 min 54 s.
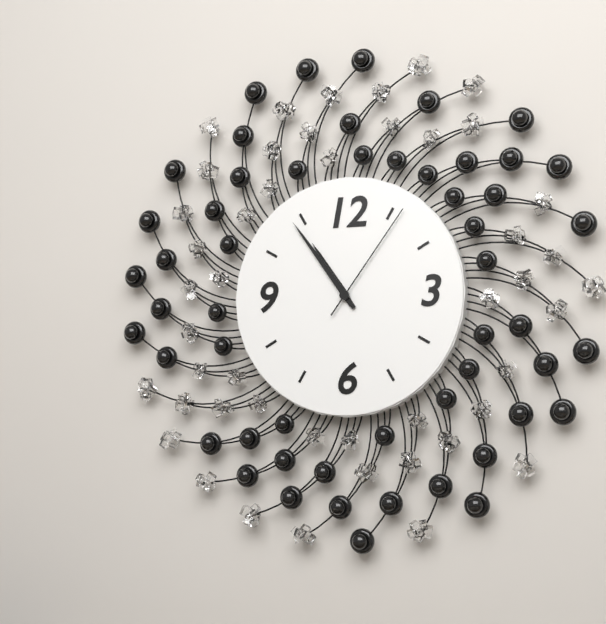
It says 10 h 54 min 06 s
